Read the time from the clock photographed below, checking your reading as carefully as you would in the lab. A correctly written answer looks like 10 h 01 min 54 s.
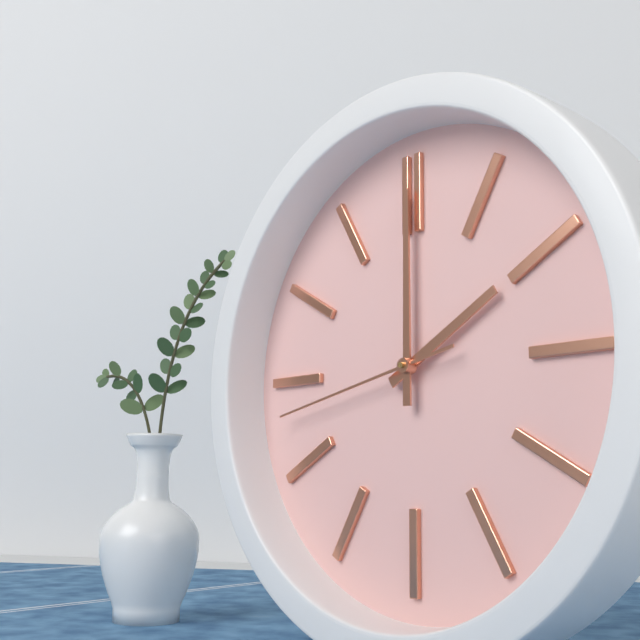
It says 2 h 00 min 43 s
